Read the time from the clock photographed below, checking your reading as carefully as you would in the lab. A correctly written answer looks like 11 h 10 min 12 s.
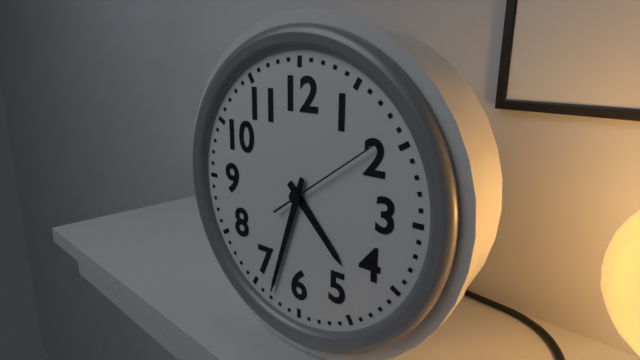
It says 4 h 33 min 09 s
